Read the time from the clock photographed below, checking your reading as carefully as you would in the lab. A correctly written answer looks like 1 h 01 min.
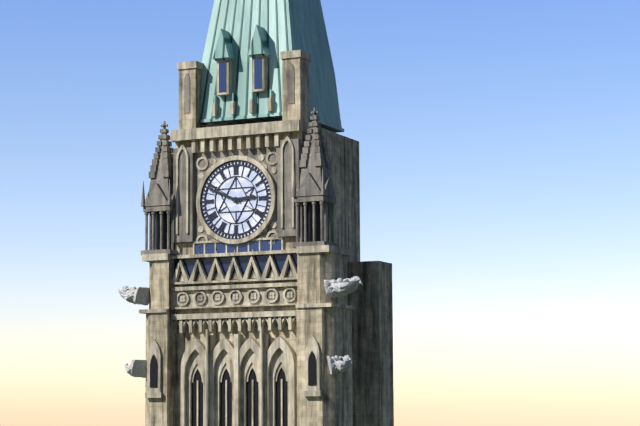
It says 2 h 49 min
